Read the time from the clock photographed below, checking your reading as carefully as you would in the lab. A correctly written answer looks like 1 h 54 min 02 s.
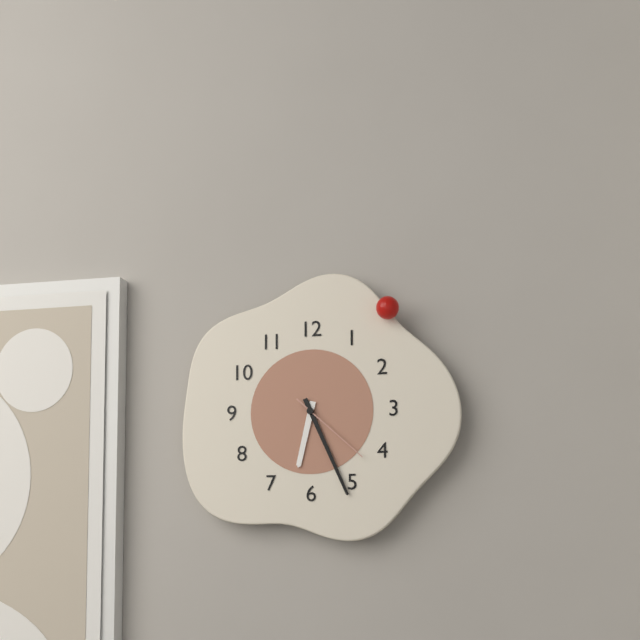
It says 6 h 26 min 22 s
